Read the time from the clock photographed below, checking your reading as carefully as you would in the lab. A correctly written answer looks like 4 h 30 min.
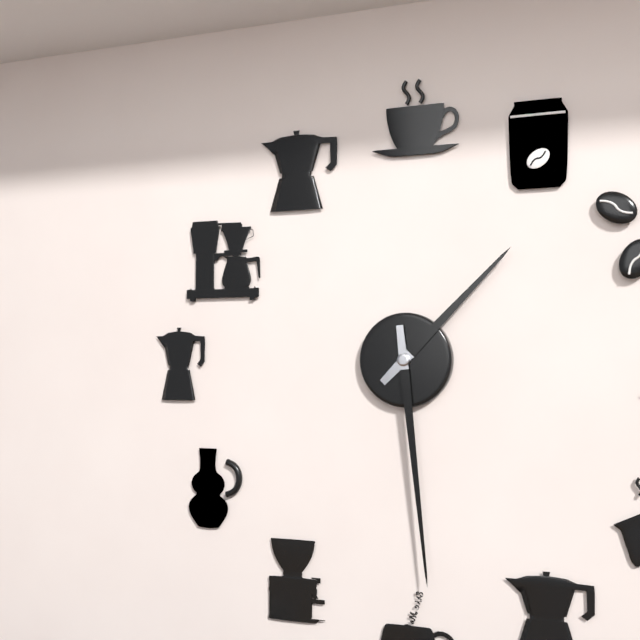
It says 1 h 29 min
